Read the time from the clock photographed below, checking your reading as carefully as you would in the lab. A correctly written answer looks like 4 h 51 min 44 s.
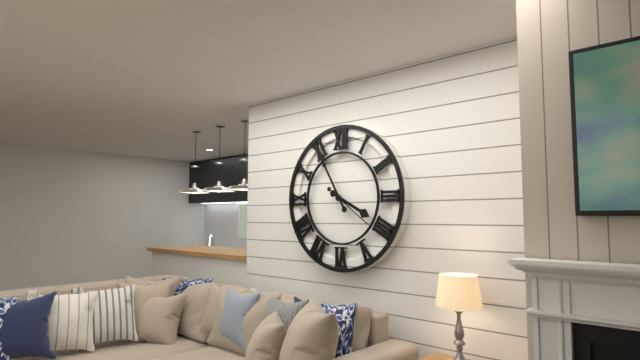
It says 3 h 55 min 21 s
